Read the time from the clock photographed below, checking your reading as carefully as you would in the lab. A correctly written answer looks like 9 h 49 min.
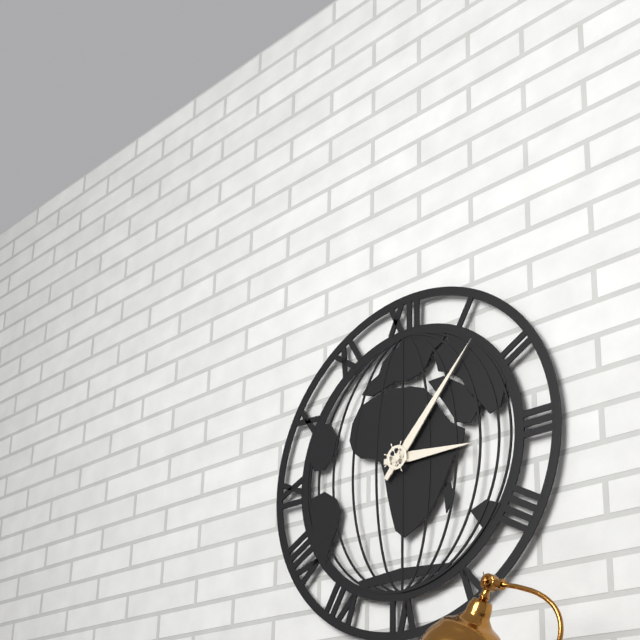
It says 3 h 07 min
